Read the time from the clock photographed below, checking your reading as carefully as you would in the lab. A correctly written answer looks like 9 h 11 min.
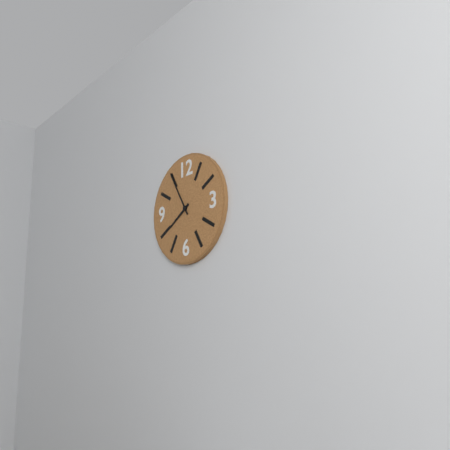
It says 7 h 55 min
